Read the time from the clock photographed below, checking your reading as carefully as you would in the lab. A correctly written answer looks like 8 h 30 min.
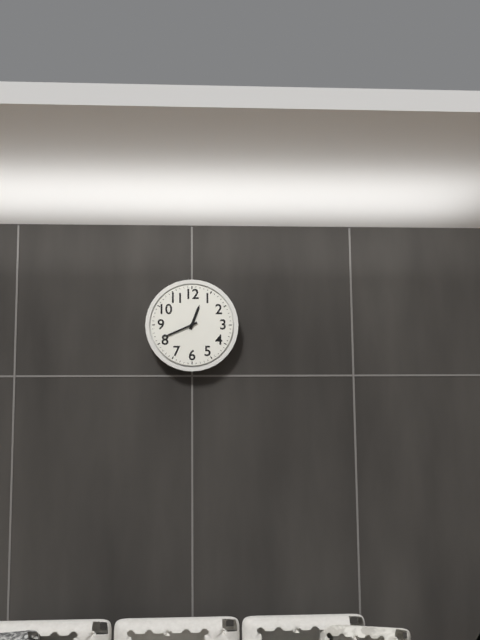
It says 12 h 41 min
